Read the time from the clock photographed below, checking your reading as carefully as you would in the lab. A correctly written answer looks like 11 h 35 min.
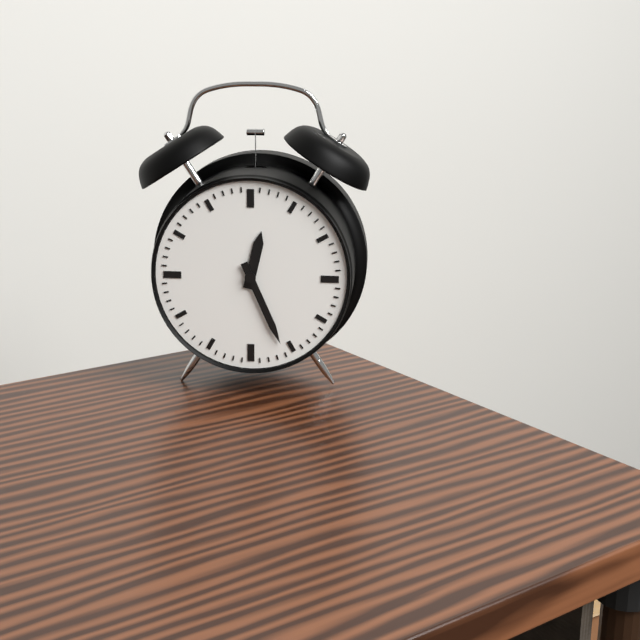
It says 12 h 26 min
